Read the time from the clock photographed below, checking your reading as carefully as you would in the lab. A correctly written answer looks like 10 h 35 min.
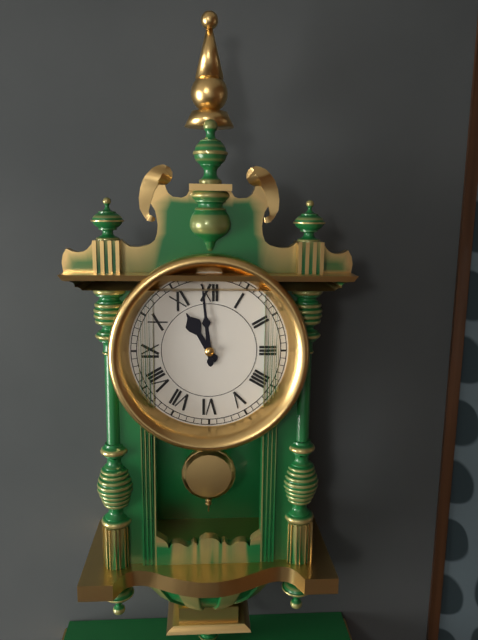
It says 10 h 59 min
